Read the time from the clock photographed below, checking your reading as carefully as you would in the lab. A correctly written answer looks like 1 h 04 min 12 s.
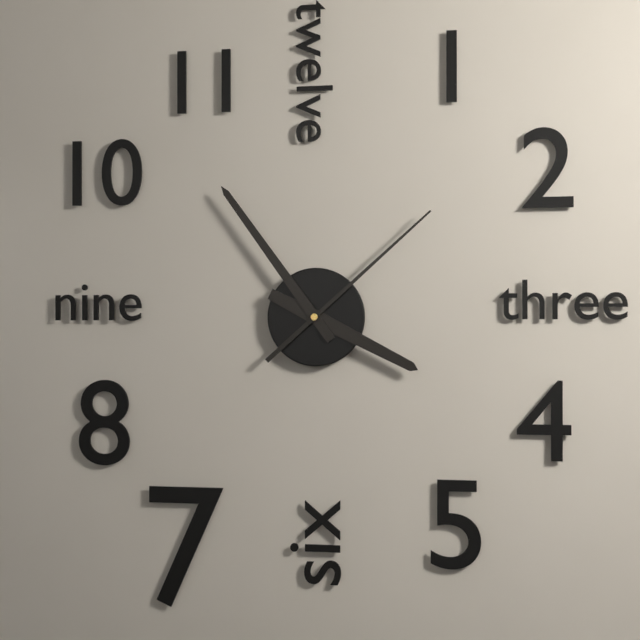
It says 3 h 54 min 08 s
